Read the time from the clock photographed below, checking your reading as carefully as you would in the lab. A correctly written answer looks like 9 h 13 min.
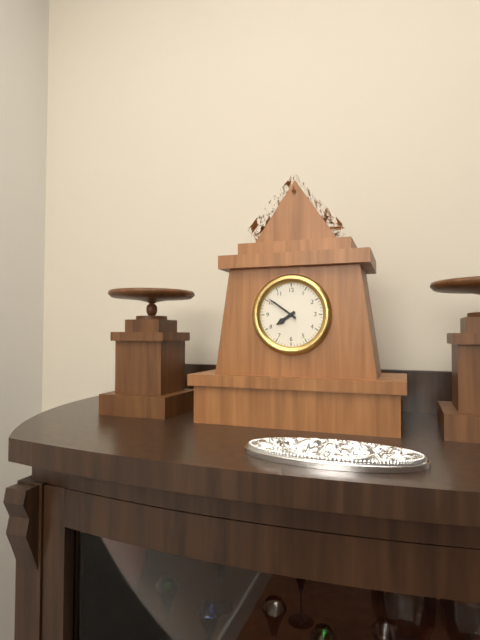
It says 7 h 51 min
